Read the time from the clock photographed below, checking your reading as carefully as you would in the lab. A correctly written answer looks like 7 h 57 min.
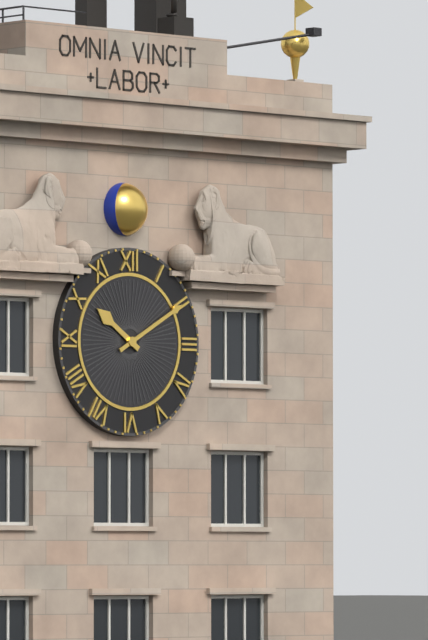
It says 10 h 10 min
